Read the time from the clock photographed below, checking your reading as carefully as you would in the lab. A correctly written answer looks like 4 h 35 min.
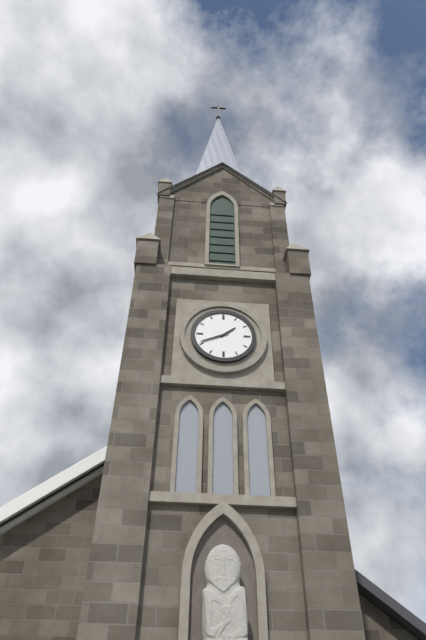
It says 1 h 41 min
